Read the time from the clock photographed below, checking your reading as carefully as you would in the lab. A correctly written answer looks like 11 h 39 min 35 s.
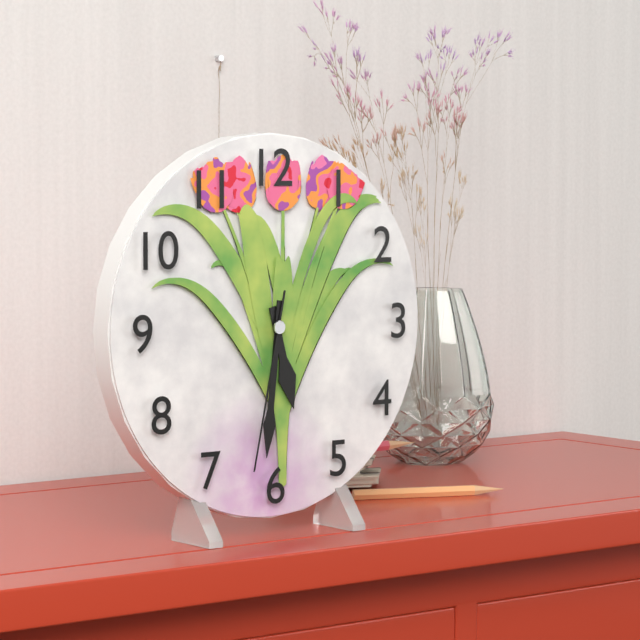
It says 5 h 31 min 32 s
